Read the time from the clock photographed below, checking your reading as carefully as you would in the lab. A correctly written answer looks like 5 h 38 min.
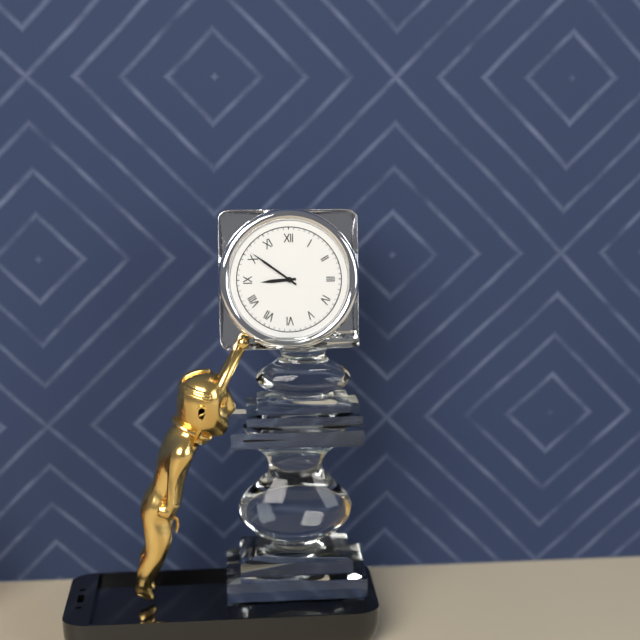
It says 8 h 51 min
